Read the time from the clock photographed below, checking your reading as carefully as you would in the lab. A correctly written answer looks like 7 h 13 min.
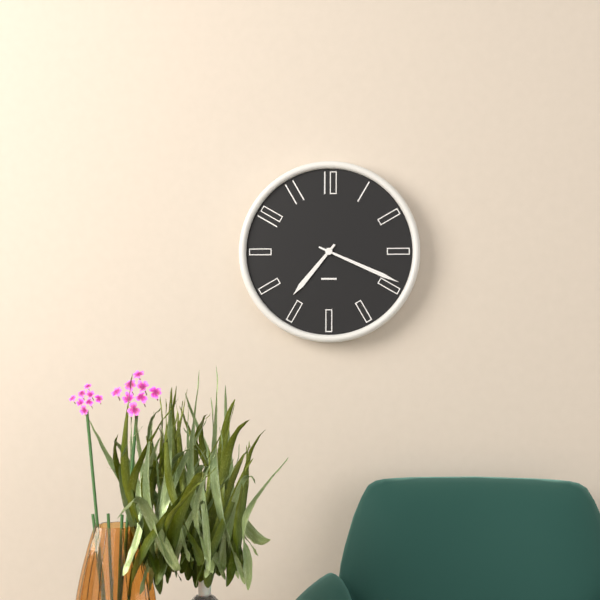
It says 7 h 19 min
